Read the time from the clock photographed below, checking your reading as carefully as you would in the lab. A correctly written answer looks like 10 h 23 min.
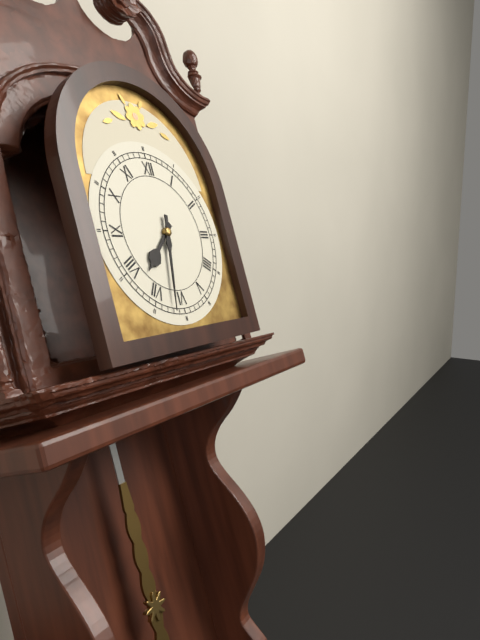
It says 7 h 32 min
